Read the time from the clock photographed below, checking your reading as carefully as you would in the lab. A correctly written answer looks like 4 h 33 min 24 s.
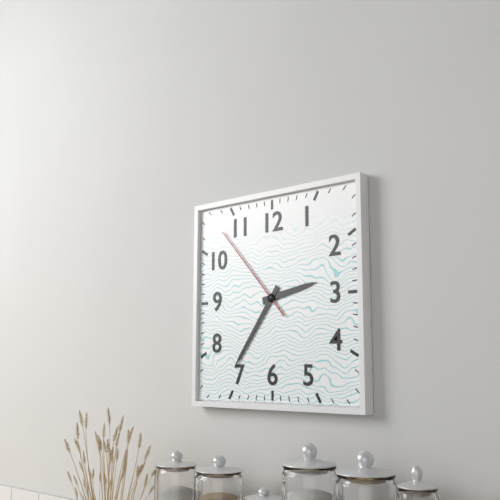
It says 2 h 36 min 53 s
